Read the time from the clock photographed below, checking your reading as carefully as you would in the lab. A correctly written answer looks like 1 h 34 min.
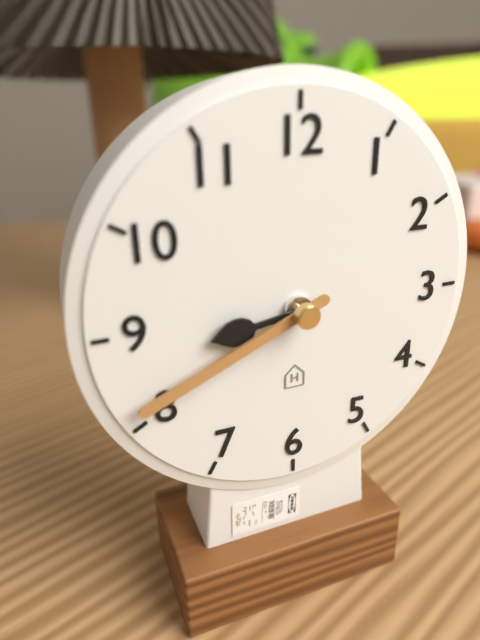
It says 8 h 41 min
